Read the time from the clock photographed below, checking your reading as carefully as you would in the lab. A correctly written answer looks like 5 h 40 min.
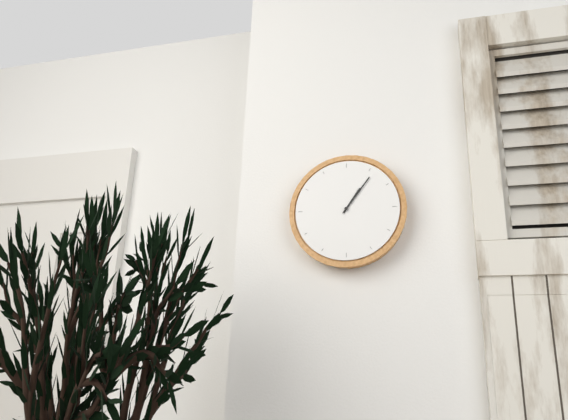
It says 1 h 06 min
